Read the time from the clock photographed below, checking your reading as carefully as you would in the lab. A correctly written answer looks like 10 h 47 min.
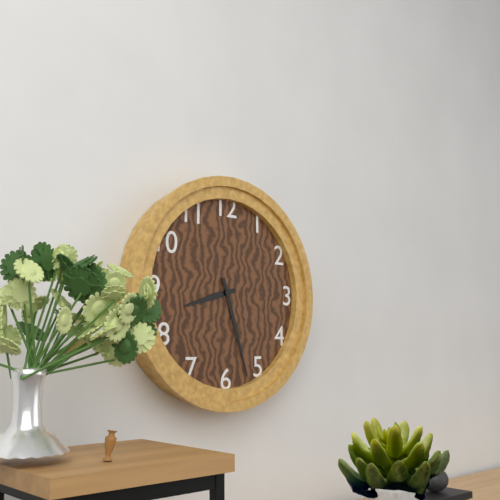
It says 8 h 27 min
